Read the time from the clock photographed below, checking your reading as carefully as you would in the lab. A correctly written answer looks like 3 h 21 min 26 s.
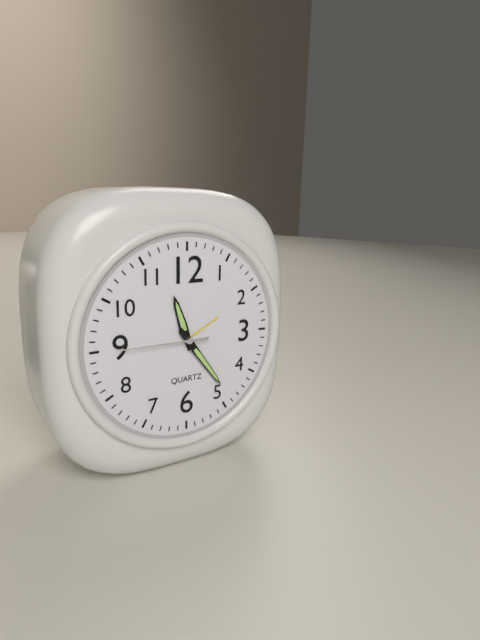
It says 11 h 24 min 45 s
